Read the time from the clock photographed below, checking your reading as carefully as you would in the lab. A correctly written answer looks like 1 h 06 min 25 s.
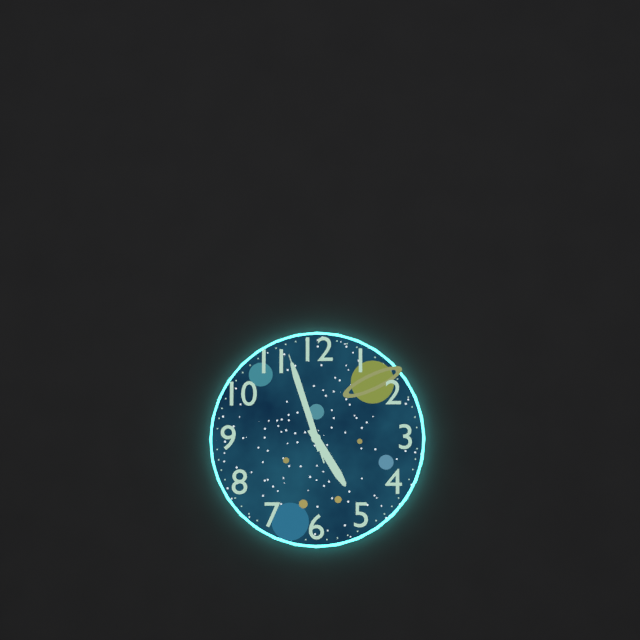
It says 4 h 57 min 57 s
